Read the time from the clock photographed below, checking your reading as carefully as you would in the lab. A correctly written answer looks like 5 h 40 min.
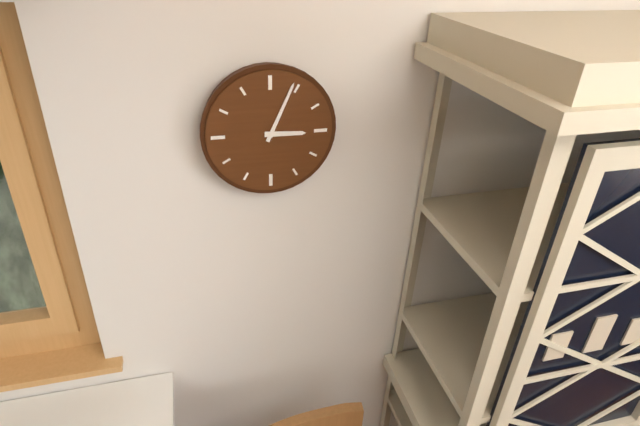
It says 3 h 04 min
